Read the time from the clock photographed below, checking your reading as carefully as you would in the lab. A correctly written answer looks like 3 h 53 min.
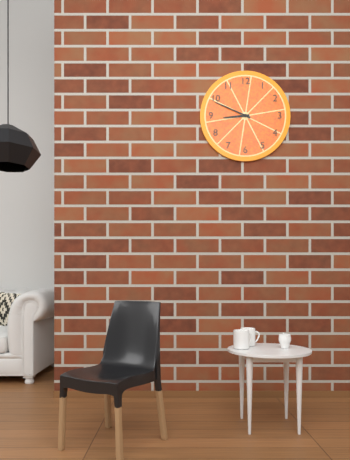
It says 8 h 49 min
